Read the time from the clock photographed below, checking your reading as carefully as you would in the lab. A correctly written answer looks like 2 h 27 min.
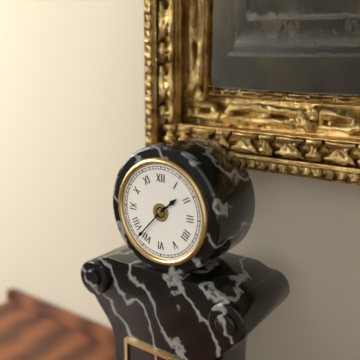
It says 1 h 37 min
